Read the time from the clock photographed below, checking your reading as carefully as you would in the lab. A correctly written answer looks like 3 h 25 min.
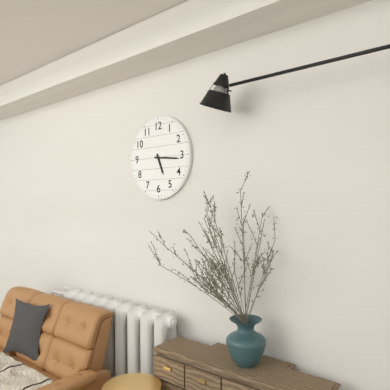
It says 5 h 16 min
